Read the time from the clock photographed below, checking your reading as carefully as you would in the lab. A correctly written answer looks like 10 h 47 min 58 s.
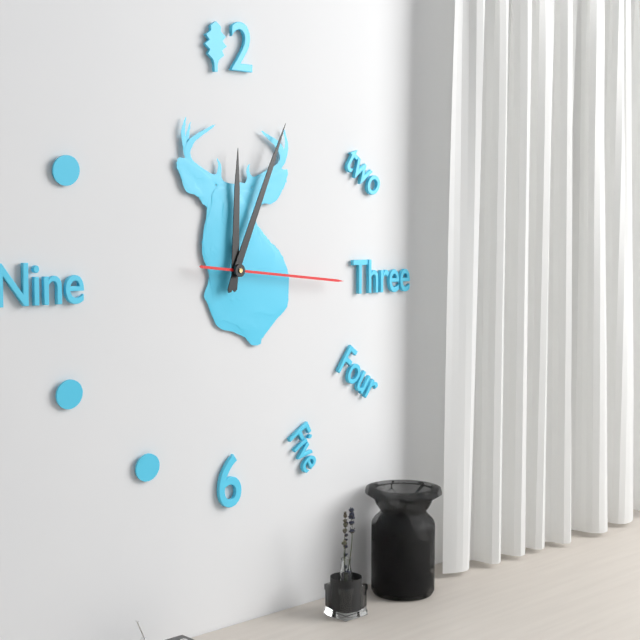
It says 12 h 04 min 16 s
